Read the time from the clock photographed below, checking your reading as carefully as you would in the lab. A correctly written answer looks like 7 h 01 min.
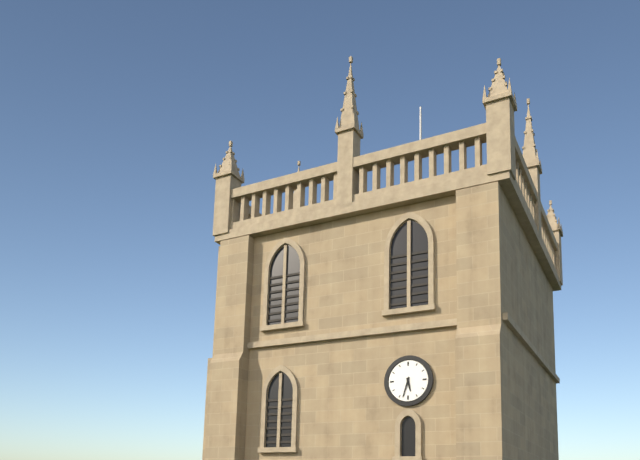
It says 5 h 33 min
